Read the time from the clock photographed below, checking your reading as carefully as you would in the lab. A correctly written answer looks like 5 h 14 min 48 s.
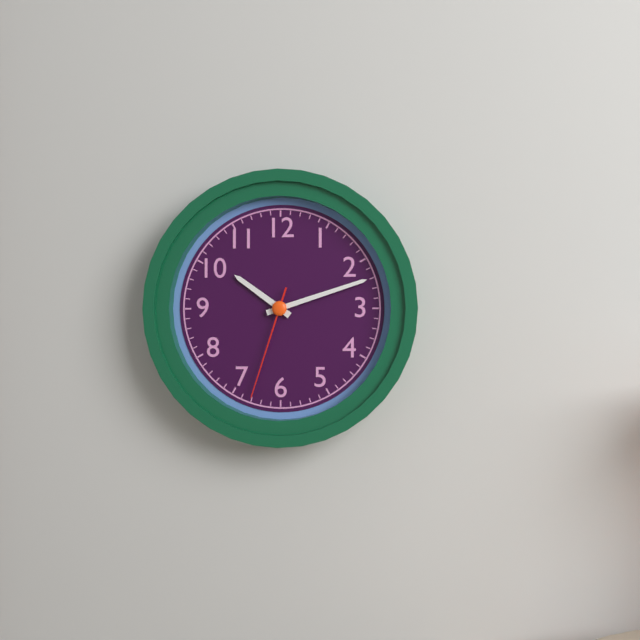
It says 10 h 12 min 33 s
